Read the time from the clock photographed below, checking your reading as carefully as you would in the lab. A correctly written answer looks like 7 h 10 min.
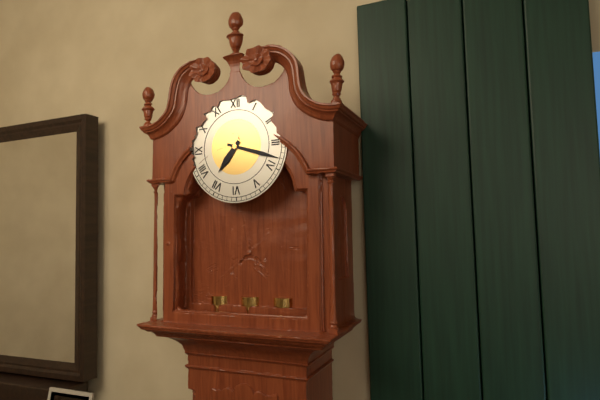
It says 7 h 18 min
